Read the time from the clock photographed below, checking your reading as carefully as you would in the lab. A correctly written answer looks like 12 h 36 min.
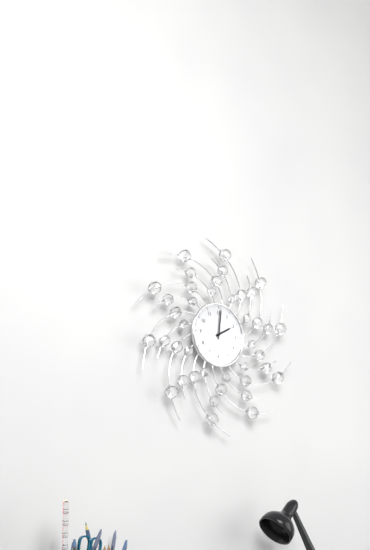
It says 2 h 01 min
